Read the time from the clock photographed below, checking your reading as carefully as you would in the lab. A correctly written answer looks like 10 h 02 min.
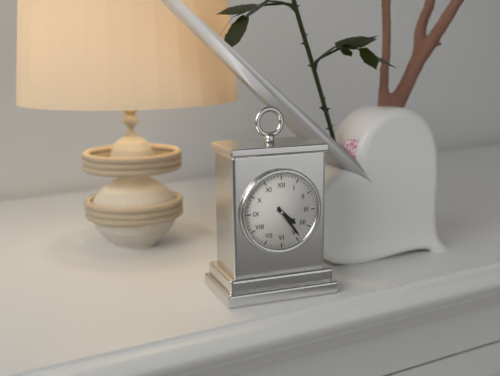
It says 4 h 24 min
